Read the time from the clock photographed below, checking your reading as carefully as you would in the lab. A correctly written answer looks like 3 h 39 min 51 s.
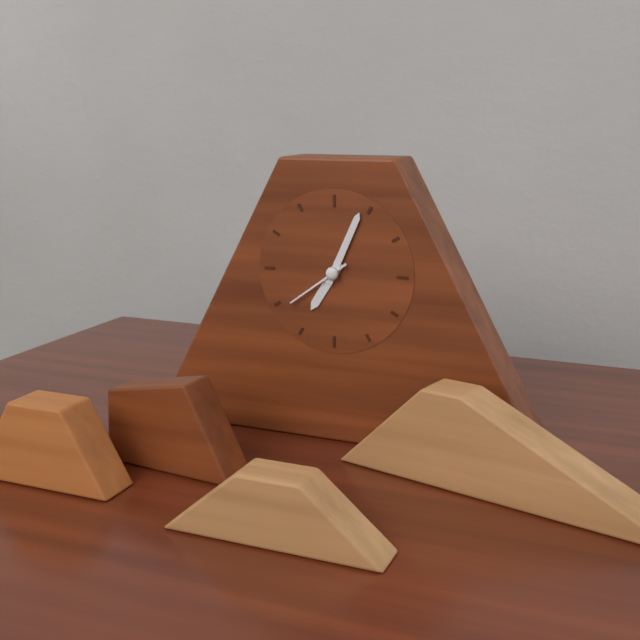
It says 7 h 04 min 39 s
